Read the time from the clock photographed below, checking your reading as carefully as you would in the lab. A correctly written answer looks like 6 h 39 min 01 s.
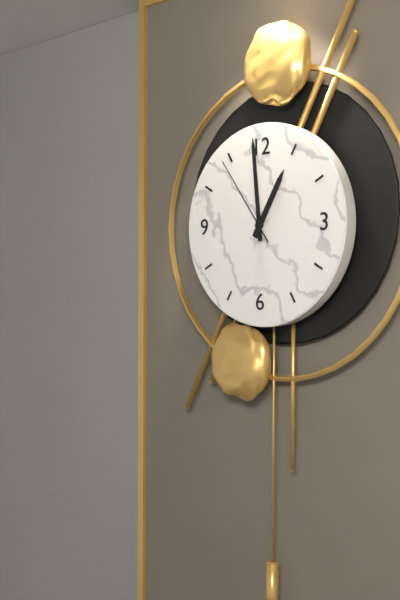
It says 12 h 59 min 54 s
